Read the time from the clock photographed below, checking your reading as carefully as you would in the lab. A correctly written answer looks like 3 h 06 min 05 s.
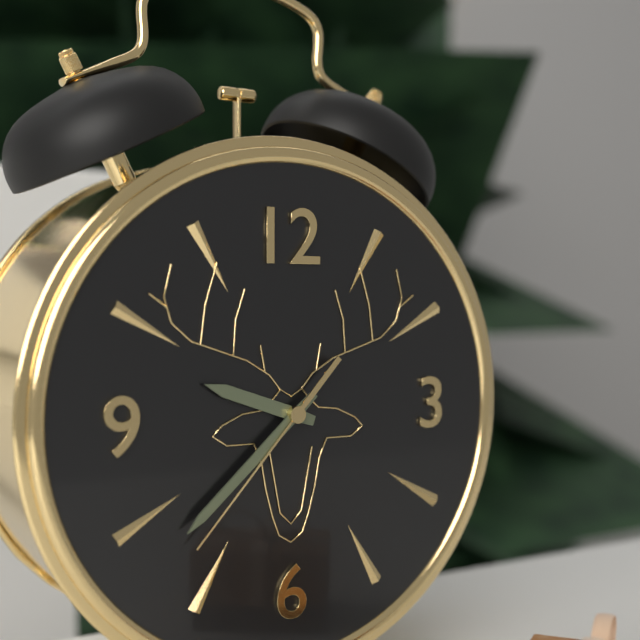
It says 9 h 38 min 37 s
